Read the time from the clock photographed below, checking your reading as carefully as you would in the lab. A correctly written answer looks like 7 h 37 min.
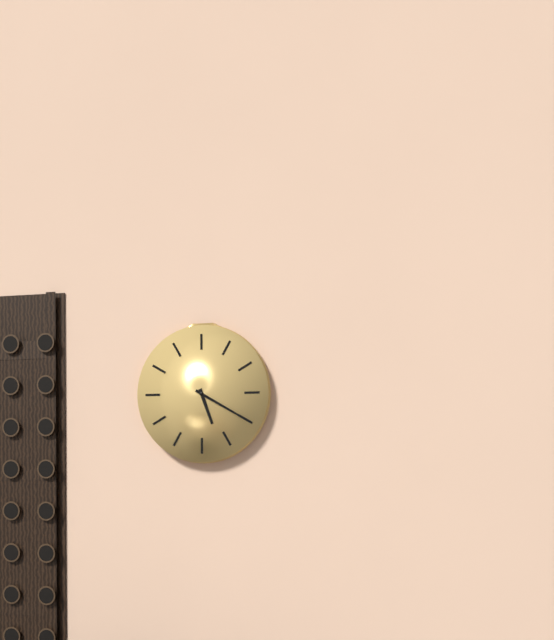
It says 5 h 20 min
